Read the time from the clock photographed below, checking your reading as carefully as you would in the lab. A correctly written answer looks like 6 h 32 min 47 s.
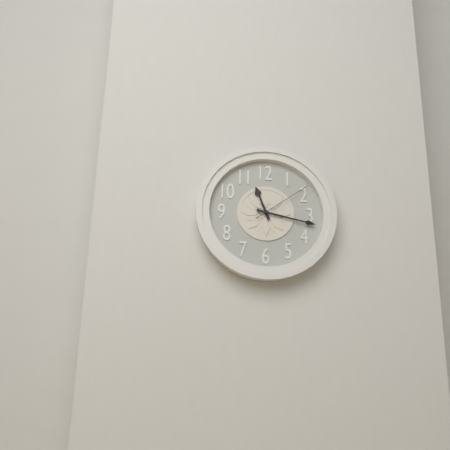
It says 11 h 17 min 09 s
